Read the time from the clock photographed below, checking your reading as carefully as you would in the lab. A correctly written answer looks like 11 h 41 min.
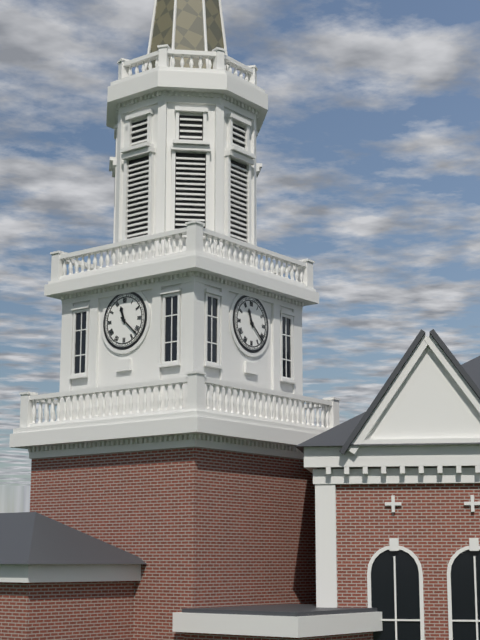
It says 11 h 22 min
